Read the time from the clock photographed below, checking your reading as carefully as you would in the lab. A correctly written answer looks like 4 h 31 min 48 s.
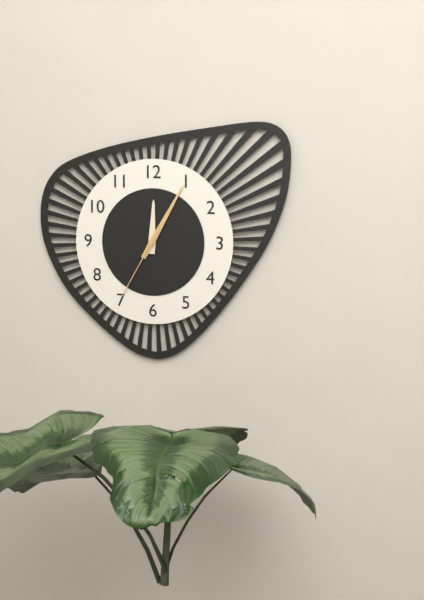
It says 12 h 05 min 35 s
